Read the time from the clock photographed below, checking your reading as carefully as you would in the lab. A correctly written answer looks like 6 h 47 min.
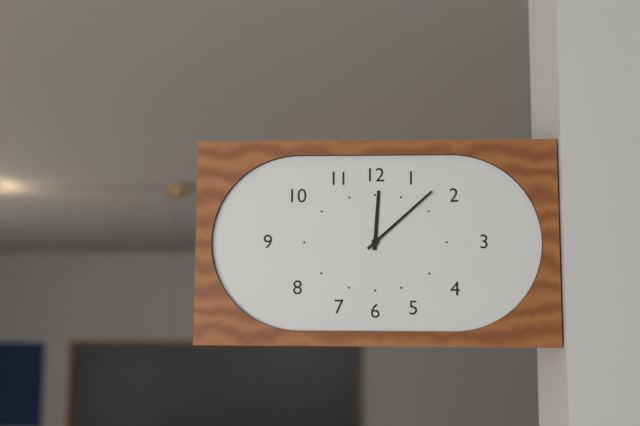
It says 12 h 08 min
